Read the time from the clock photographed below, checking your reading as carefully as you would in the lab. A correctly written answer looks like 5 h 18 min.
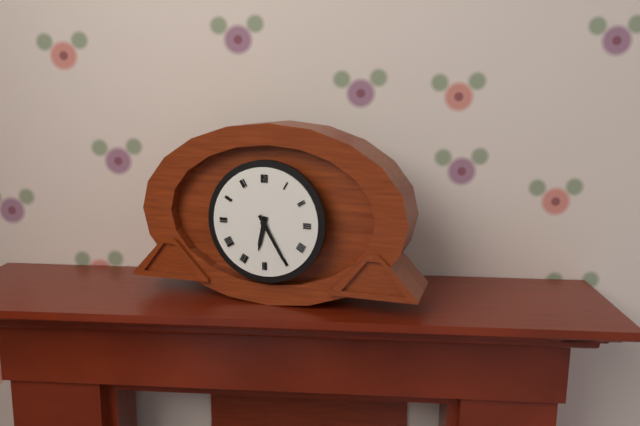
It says 6 h 25 min
